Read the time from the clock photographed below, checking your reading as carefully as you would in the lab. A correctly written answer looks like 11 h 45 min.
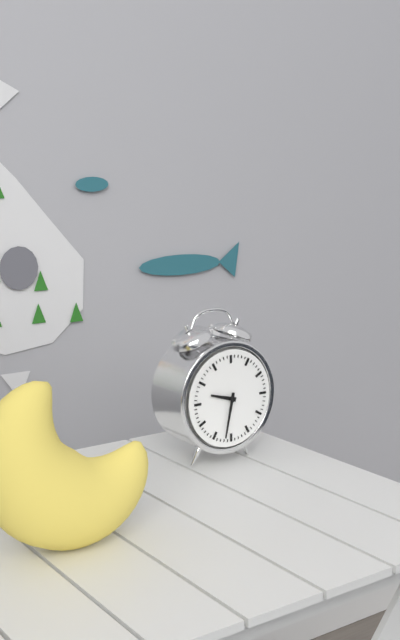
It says 9 h 32 min
